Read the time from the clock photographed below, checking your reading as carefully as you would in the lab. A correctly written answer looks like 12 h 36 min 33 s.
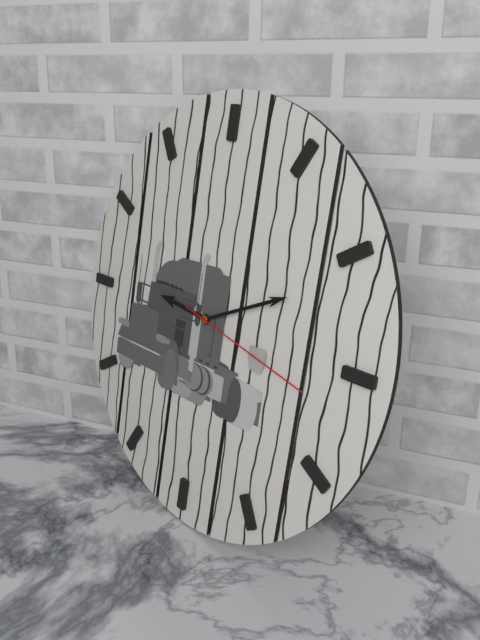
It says 9 h 11 min 17 s
